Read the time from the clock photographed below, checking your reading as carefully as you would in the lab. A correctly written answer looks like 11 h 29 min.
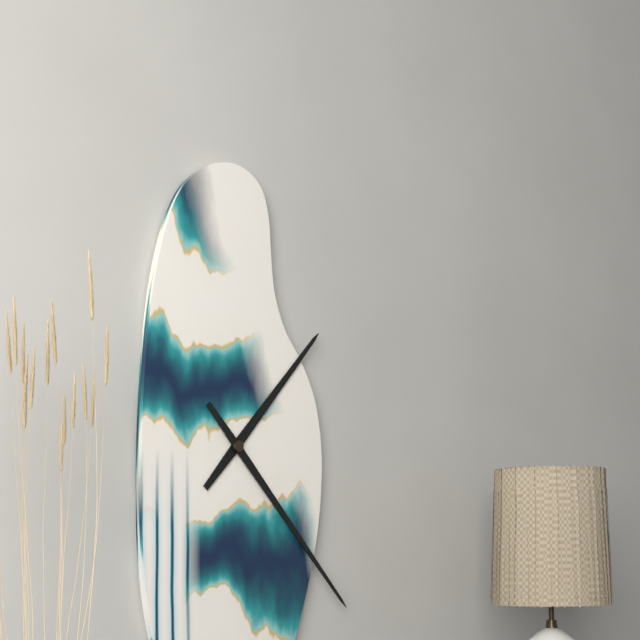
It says 1 h 23 min
